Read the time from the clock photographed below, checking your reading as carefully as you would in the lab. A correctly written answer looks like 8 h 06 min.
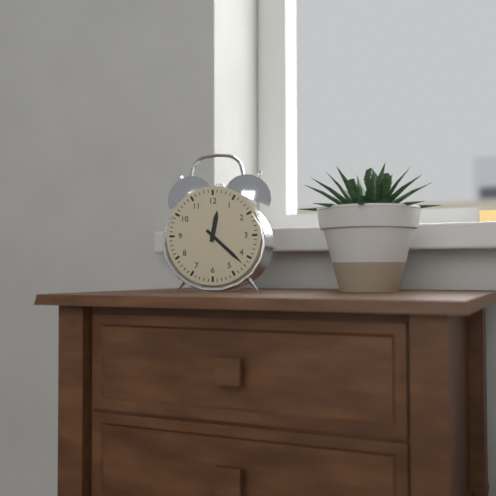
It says 12 h 22 min
